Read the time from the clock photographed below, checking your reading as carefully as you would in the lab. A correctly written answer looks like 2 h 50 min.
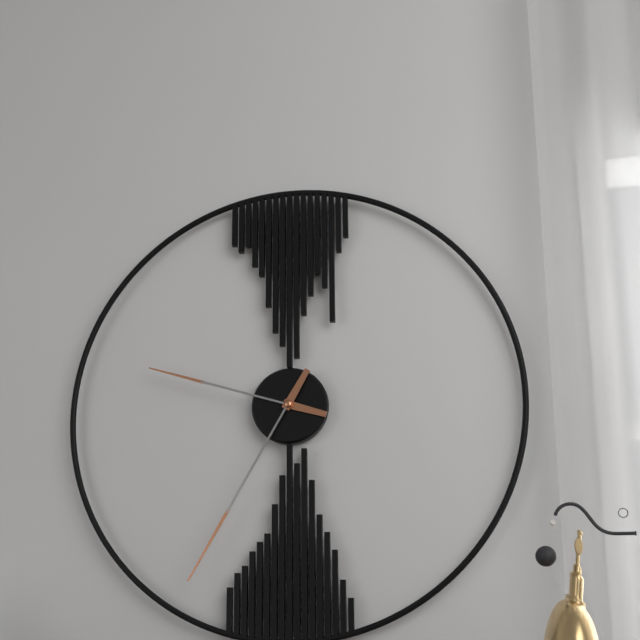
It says 9 h 35 min
